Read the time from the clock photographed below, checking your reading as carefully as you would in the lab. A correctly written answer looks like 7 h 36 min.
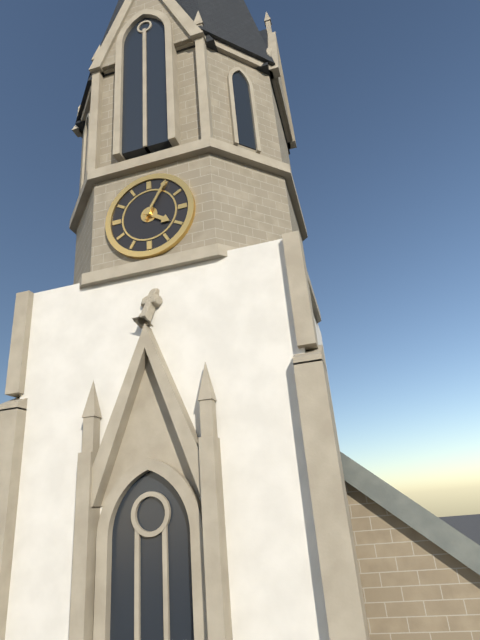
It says 4 h 05 min
